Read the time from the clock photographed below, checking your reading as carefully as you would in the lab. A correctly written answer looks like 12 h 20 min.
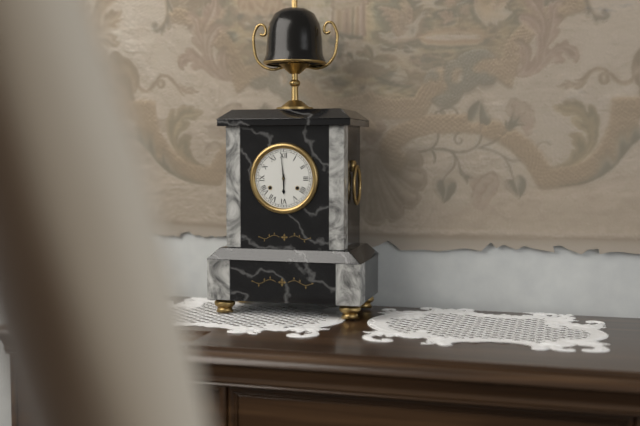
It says 5 h 59 min
